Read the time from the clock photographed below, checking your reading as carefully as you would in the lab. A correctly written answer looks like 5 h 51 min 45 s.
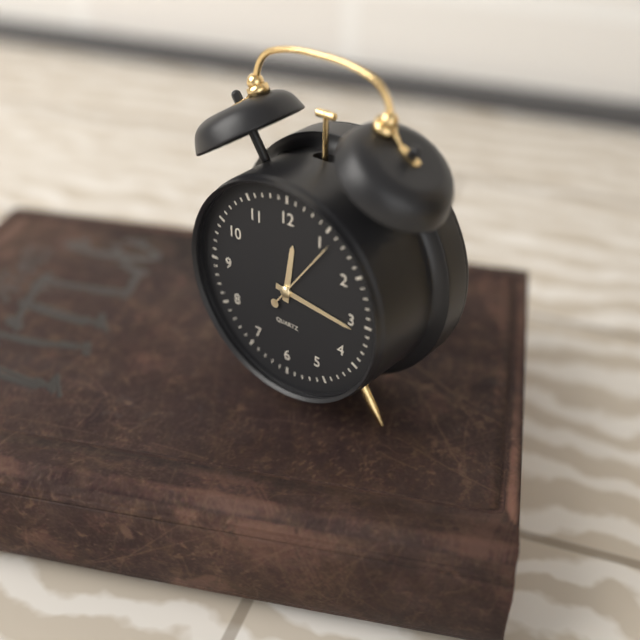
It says 12 h 16 min 06 s
